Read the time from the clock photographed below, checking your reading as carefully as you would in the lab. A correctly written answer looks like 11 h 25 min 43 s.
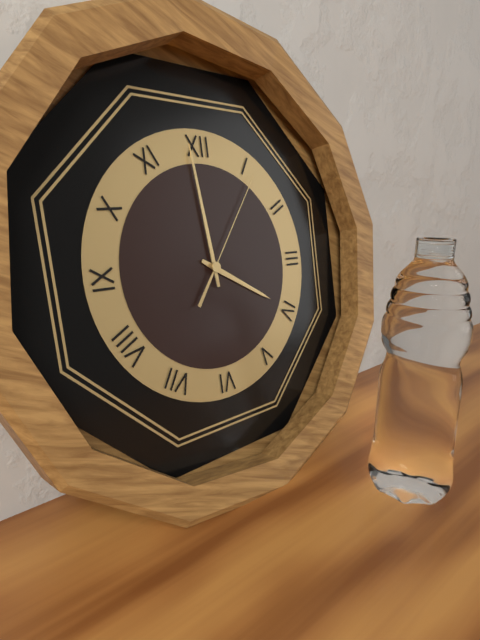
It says 3 h 59 min 06 s
